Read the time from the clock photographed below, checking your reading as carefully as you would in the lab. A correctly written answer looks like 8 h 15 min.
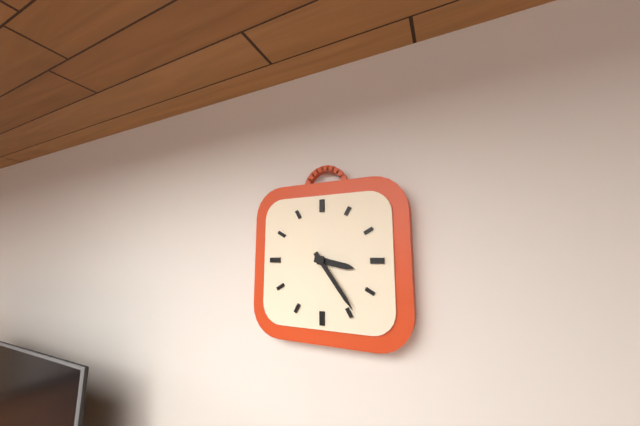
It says 3 h 24 min
